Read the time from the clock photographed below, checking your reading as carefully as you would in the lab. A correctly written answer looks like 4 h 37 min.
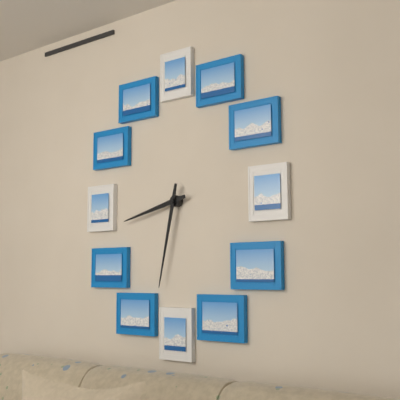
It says 8 h 32 min
